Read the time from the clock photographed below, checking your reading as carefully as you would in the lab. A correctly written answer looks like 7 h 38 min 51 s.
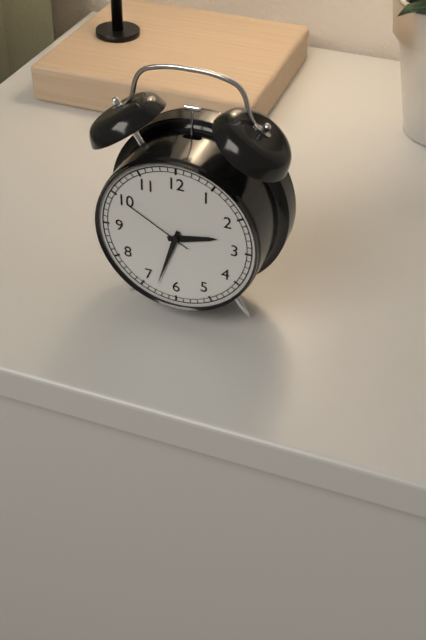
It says 2 h 33 min 50 s
